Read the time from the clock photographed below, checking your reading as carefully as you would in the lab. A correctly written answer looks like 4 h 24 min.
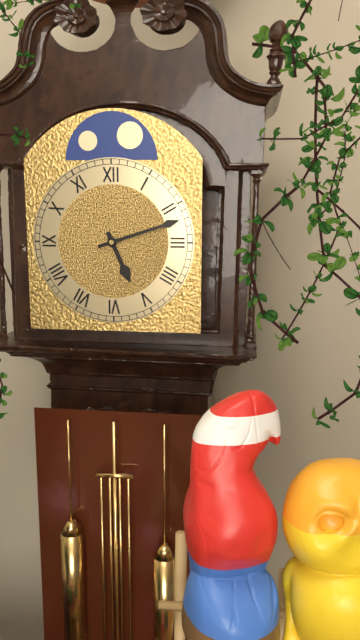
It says 5 h 12 min
